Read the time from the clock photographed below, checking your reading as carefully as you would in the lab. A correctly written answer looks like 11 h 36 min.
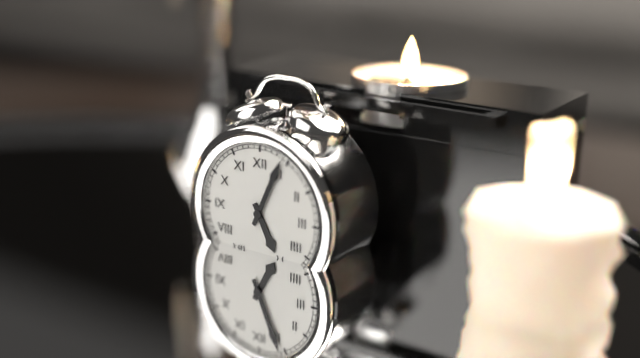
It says 5 h 04 min
